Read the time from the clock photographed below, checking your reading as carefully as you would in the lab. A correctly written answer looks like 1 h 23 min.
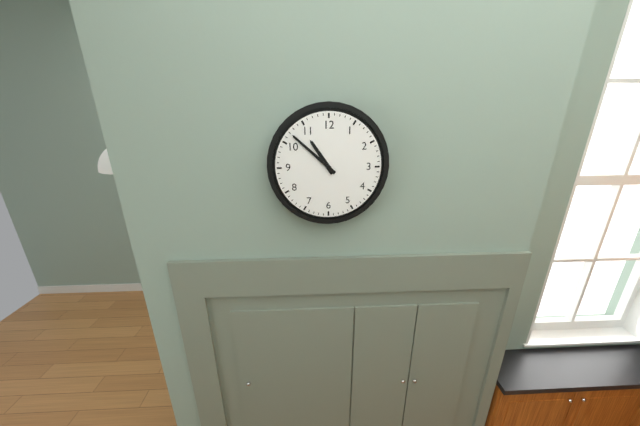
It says 10 h 52 min
